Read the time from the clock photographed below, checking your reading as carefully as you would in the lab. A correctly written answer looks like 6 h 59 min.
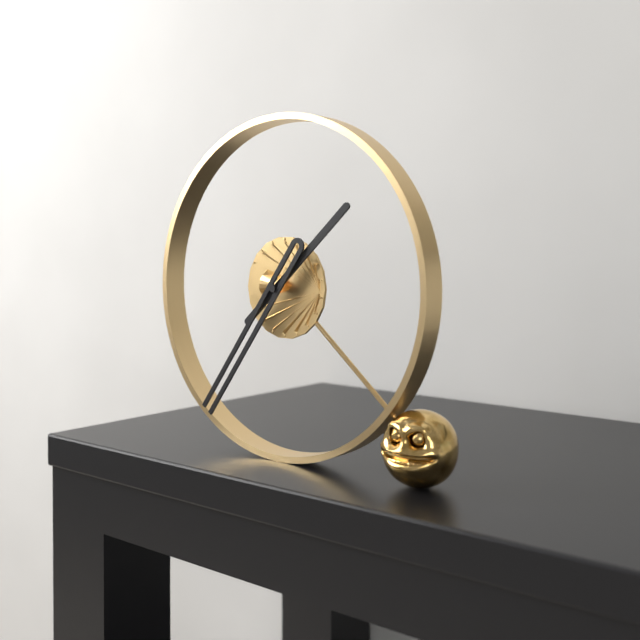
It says 1 h 36 min
